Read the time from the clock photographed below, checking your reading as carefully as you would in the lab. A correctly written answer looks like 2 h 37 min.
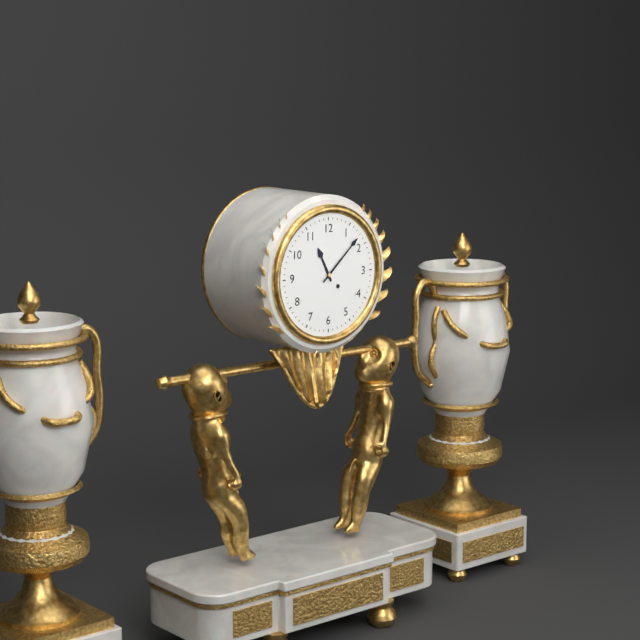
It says 11 h 08 min
